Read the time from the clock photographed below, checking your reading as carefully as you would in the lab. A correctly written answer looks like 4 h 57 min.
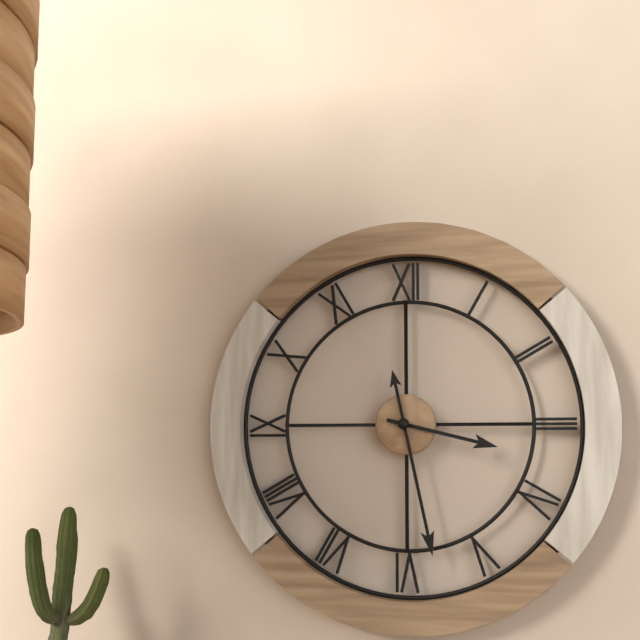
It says 3 h 28 min
